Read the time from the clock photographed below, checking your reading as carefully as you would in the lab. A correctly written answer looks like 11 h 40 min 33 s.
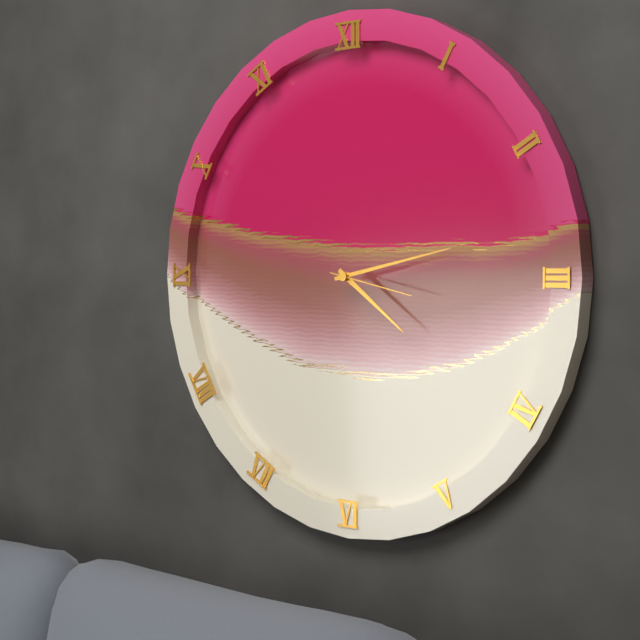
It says 4 h 13 min 17 s
